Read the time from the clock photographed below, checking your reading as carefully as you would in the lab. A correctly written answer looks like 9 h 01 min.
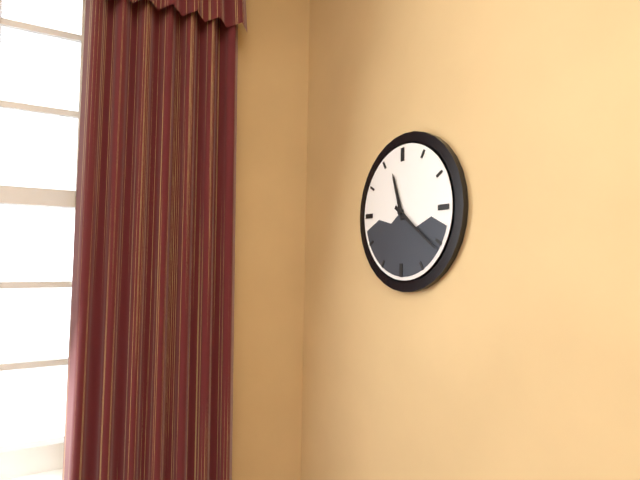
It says 11 h 21 min
